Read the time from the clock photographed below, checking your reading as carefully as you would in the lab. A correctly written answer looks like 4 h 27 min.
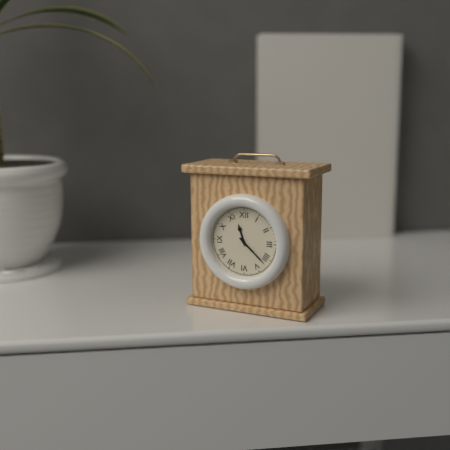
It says 11 h 22 min
